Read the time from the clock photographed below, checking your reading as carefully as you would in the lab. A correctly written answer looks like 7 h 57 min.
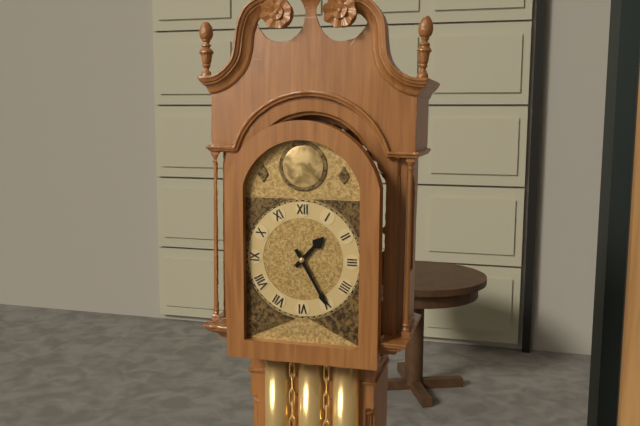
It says 1 h 25 min
